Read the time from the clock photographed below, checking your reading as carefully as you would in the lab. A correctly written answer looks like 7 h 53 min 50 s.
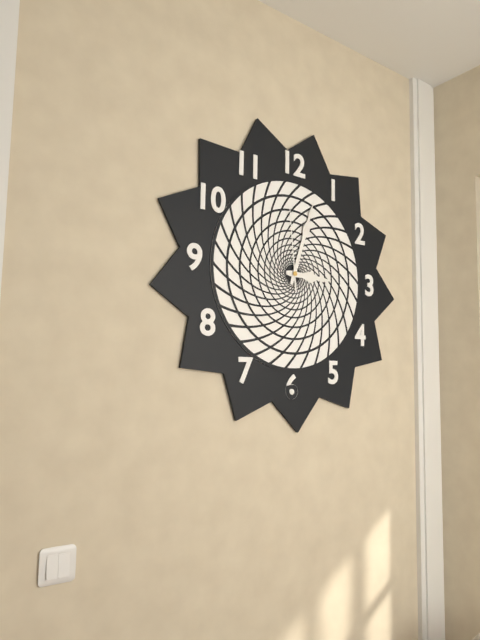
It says 3 h 03 min 59 s
